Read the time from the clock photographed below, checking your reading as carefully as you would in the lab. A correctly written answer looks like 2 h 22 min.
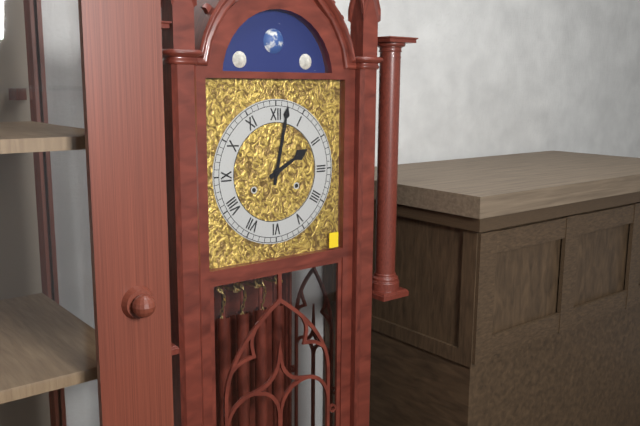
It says 2 h 02 min
